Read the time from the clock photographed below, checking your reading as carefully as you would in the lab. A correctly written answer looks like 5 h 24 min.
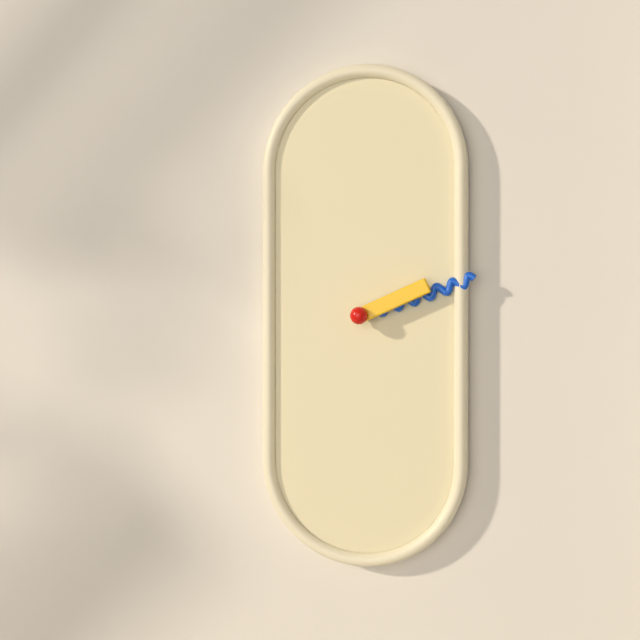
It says 2 h 12 min
